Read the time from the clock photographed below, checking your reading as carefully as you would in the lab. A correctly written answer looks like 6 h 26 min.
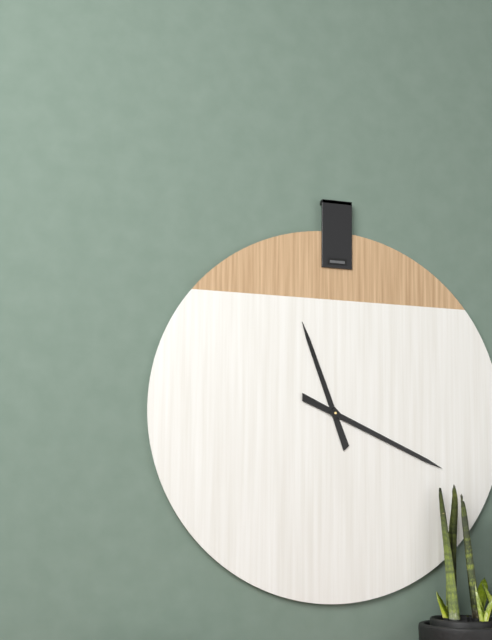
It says 11 h 19 min
